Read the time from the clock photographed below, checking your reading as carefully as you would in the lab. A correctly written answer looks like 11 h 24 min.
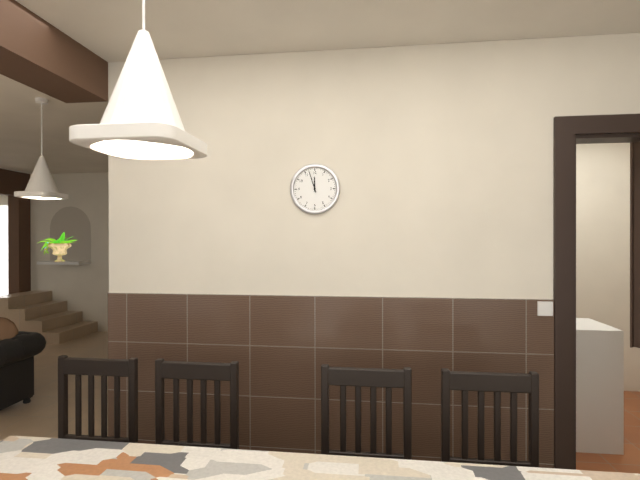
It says 11 h 57 min
